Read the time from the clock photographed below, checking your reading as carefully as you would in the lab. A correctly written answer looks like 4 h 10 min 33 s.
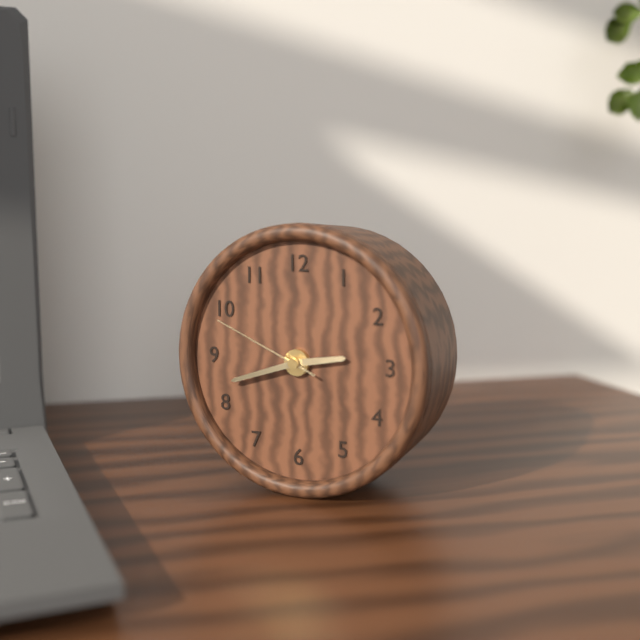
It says 2 h 42 min 49 s
